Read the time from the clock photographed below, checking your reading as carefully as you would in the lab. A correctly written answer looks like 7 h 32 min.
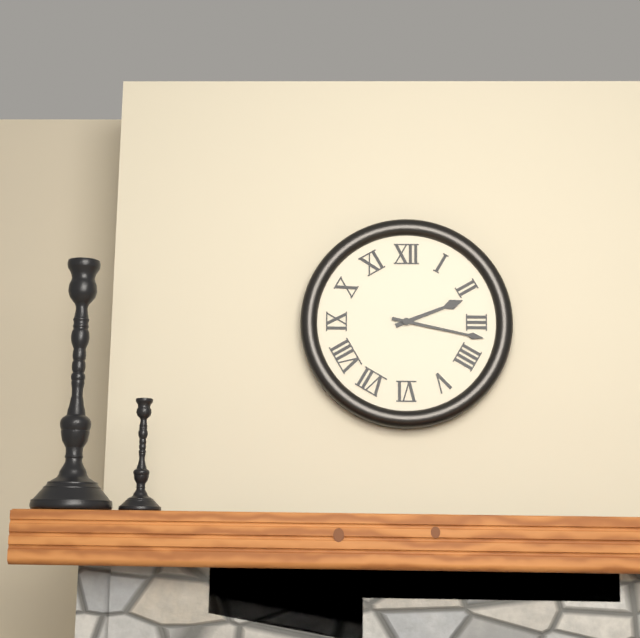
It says 2 h 17 min
